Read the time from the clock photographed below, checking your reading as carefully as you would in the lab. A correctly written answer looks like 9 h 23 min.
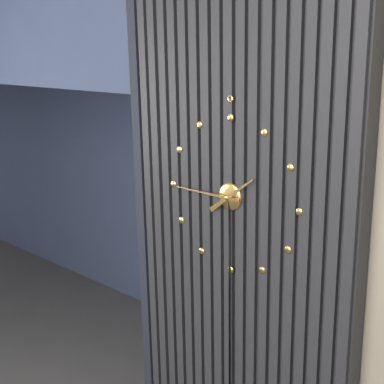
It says 1 h 45 min
